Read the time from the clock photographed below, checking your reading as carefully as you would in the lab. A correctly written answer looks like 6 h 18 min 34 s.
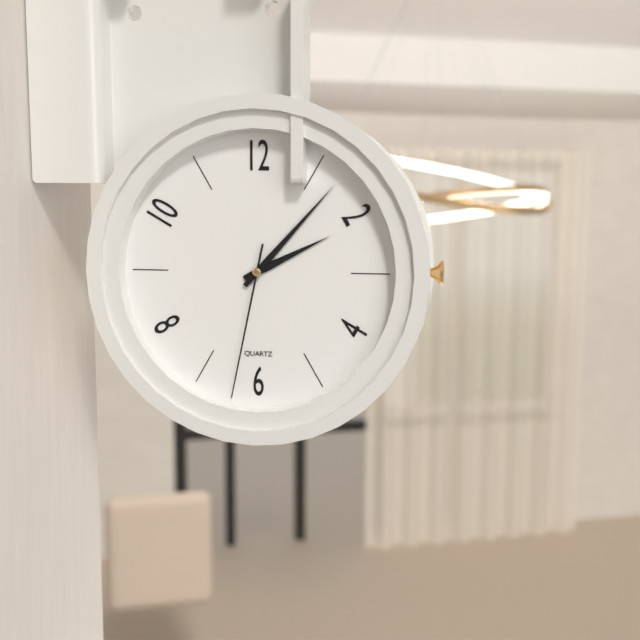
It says 2 h 07 min 32 s
